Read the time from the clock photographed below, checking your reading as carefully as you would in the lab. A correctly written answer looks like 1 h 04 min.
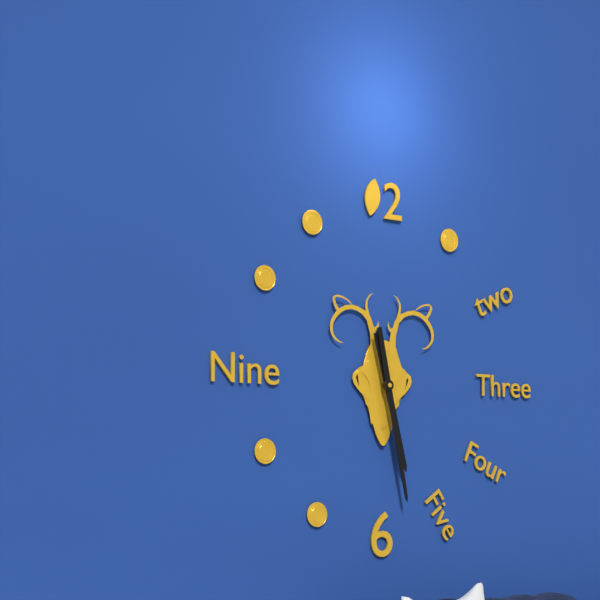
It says 5 h 28 min
